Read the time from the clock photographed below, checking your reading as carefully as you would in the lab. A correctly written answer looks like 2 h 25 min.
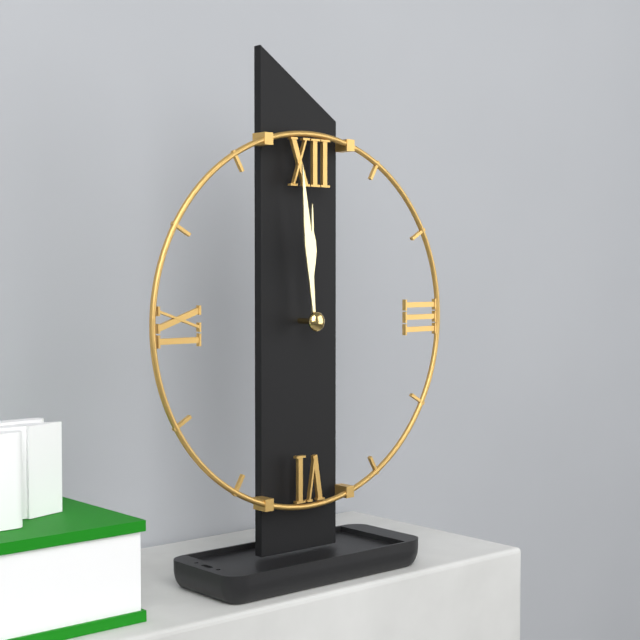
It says 11 h 59 min
